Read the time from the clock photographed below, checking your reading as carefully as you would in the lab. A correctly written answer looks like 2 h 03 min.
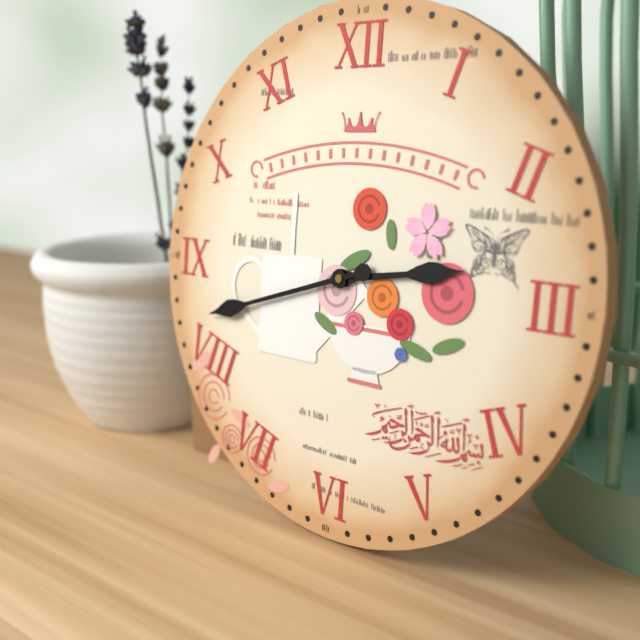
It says 2 h 42 min
